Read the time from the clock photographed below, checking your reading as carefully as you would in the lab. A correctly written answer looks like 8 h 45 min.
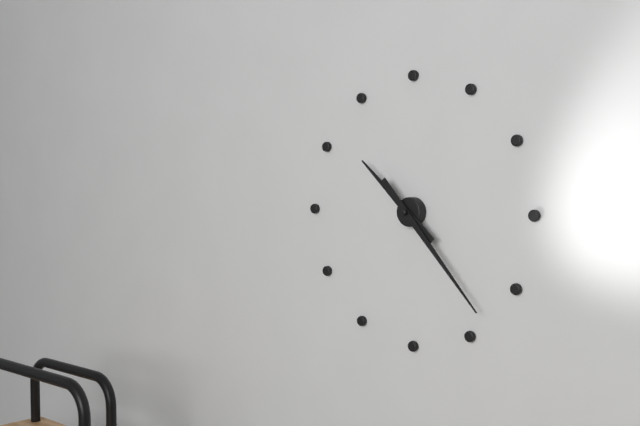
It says 10 h 23 min
